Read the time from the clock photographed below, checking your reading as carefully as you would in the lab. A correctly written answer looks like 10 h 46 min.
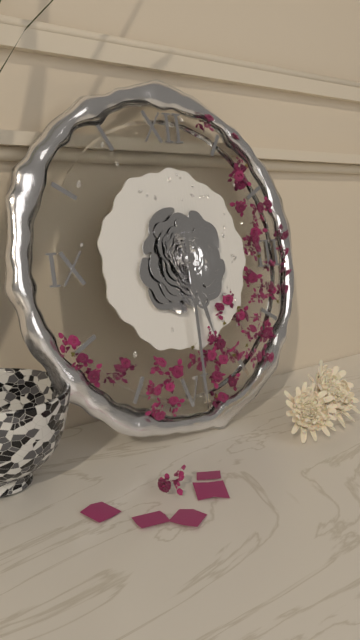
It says 5 h 30 min
